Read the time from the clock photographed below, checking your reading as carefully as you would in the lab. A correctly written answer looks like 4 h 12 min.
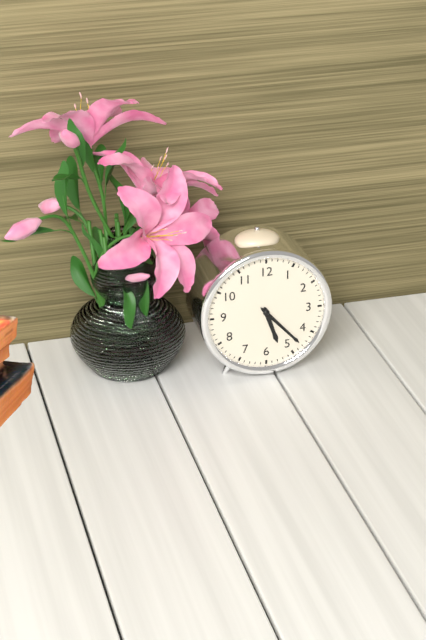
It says 5 h 23 min
